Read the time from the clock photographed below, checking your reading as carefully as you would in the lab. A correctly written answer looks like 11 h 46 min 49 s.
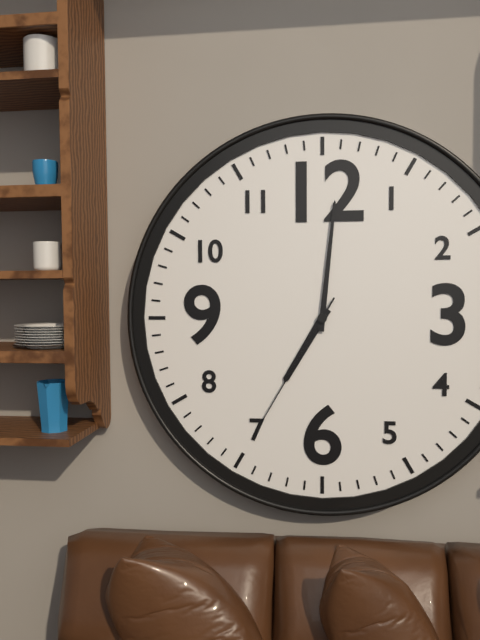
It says 7 h 01 min 35 s
